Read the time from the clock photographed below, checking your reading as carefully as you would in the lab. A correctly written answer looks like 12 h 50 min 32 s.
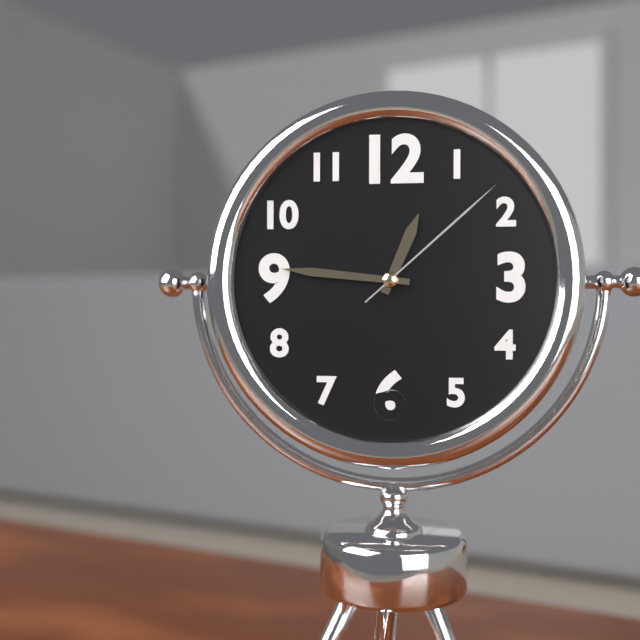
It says 12 h 46 min 08 s
